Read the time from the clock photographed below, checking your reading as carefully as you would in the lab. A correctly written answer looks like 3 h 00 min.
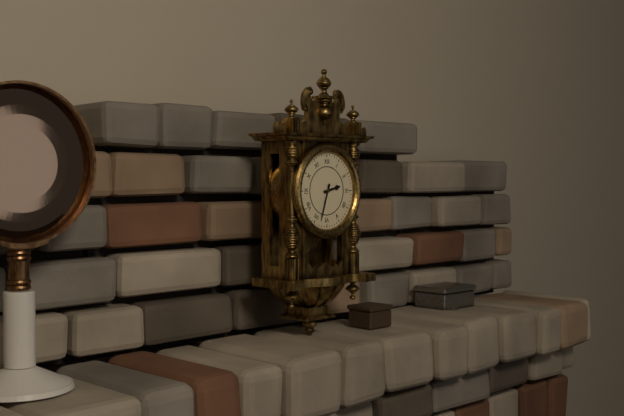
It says 2 h 33 min
